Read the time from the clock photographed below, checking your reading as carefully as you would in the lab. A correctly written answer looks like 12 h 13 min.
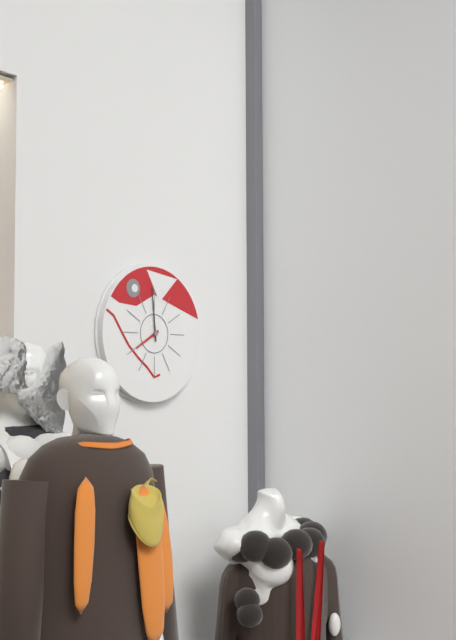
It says 7 h 59 min
